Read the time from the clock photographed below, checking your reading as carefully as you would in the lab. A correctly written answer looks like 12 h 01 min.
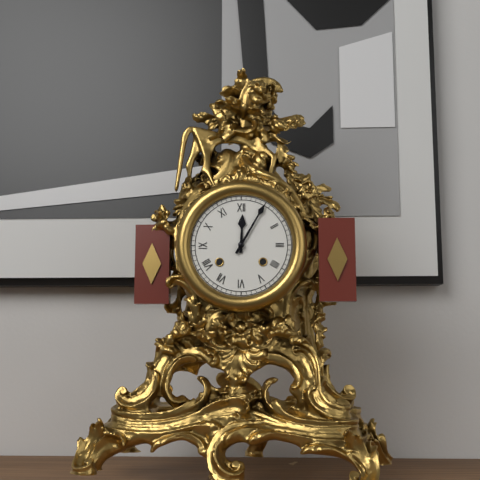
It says 12 h 05 min
